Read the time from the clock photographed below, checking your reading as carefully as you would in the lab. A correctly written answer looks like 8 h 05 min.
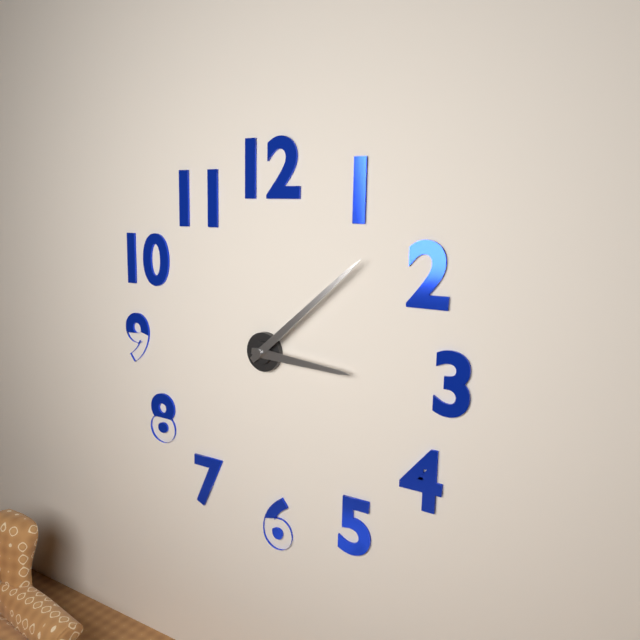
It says 3 h 08 min
